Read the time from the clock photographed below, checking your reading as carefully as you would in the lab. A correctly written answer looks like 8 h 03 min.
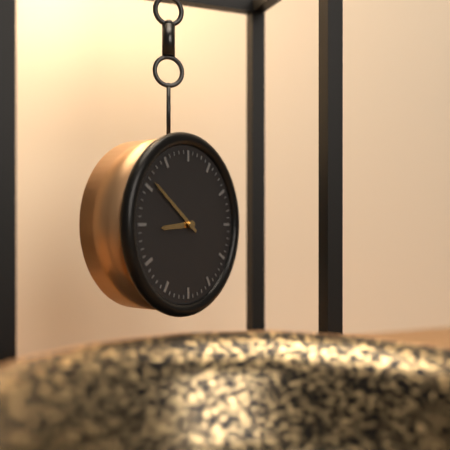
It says 8 h 51 min
